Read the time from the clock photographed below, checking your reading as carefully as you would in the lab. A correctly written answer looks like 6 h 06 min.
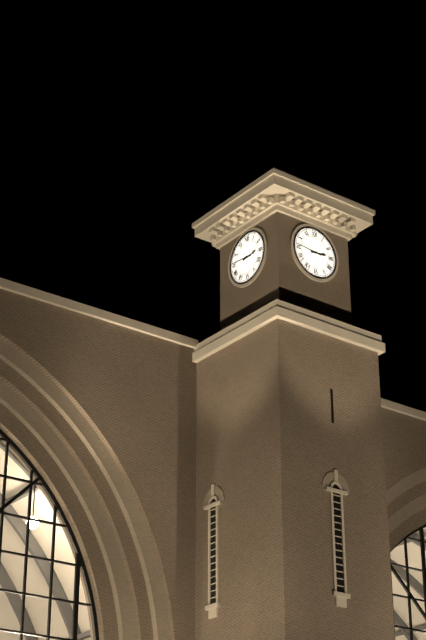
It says 2 h 46 min
